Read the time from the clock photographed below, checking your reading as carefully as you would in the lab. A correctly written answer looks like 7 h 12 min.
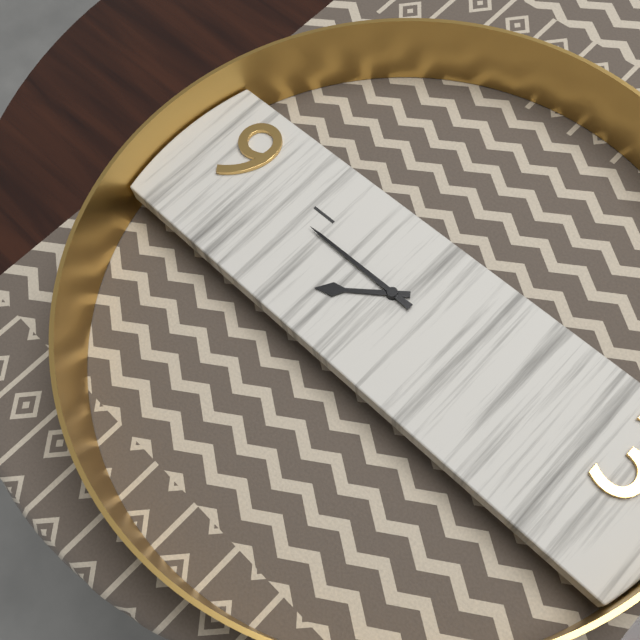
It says 7 h 45 min
